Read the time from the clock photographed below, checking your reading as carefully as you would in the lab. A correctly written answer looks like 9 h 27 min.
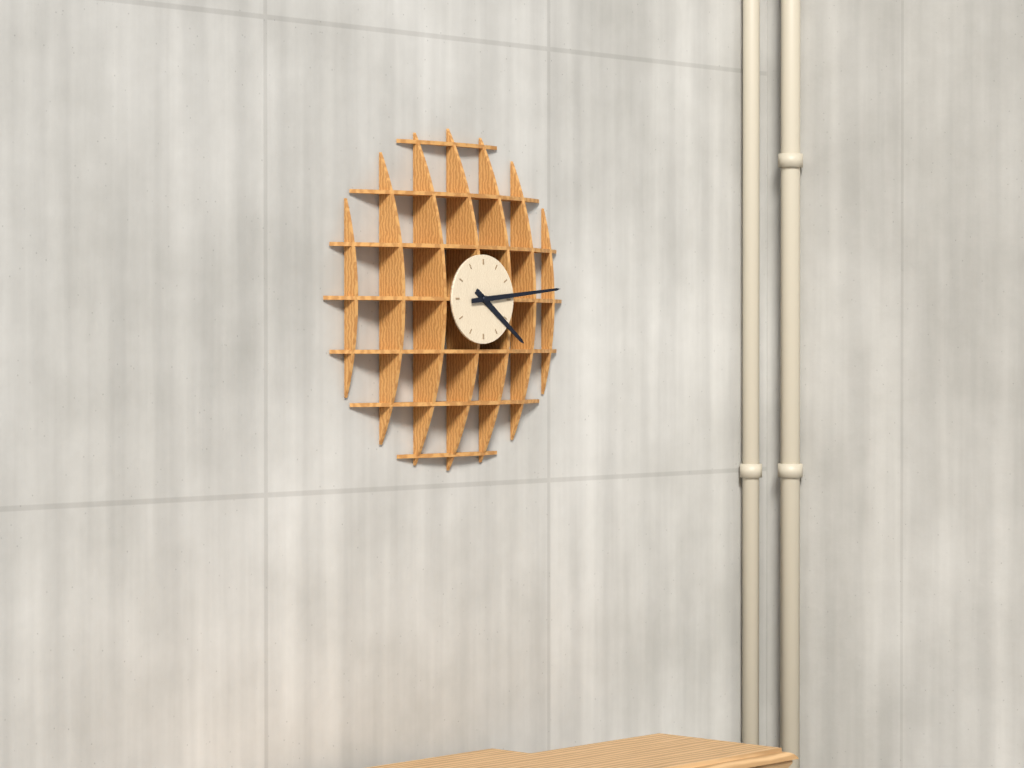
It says 4 h 14 min
